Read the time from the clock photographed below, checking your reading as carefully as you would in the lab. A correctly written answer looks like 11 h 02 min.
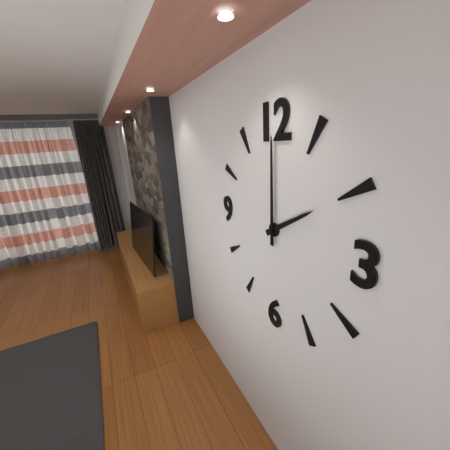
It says 2 h 00 min
